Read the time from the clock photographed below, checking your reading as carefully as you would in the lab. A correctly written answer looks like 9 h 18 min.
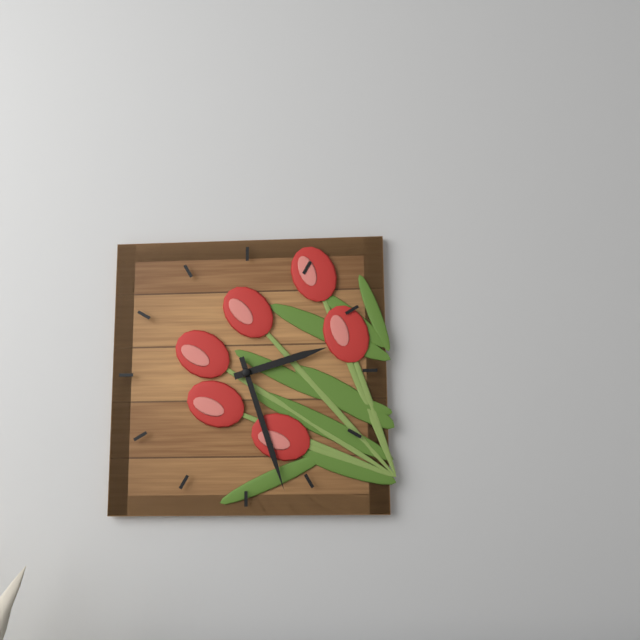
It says 2 h 27 min
